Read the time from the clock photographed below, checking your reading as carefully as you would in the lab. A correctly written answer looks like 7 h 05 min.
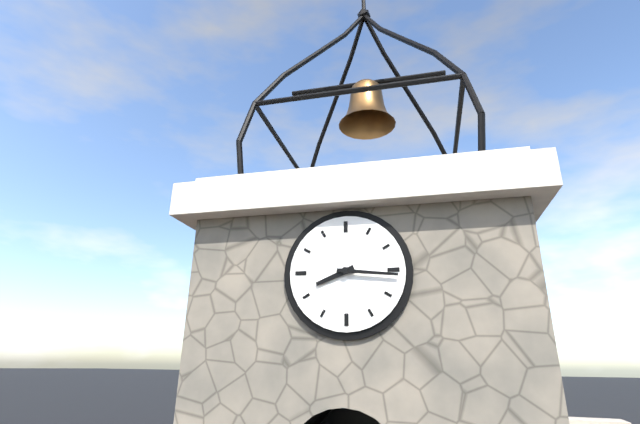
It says 8 h 16 min
